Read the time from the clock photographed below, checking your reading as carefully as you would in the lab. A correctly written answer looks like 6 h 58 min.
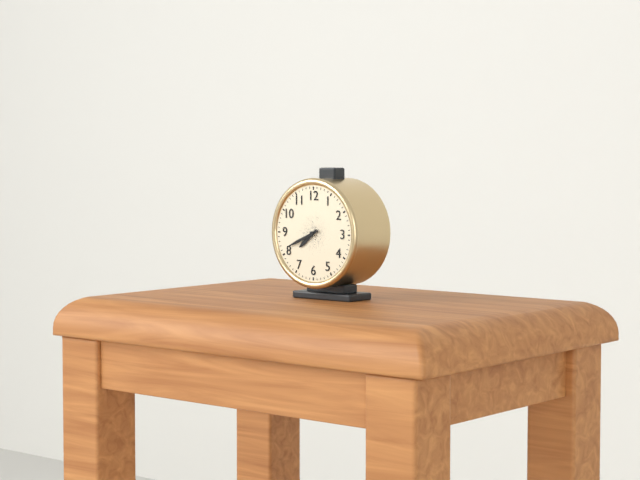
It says 7 h 41 min
